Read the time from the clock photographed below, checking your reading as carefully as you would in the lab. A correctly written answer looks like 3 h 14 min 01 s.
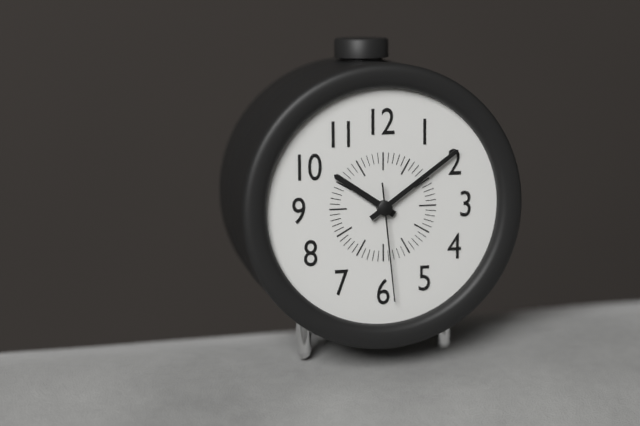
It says 10 h 09 min 29 s
